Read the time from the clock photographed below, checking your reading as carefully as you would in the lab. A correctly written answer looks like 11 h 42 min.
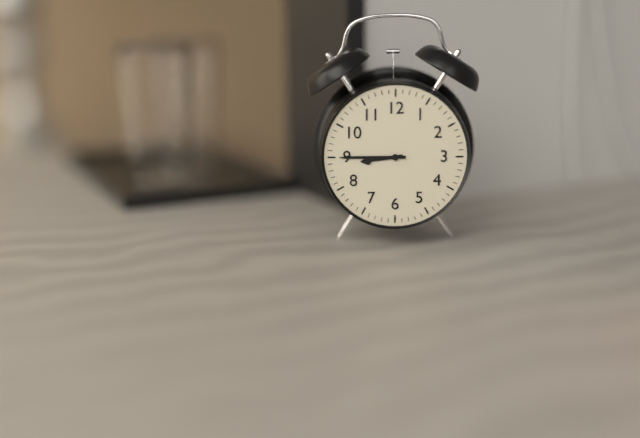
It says 8 h 45 min
